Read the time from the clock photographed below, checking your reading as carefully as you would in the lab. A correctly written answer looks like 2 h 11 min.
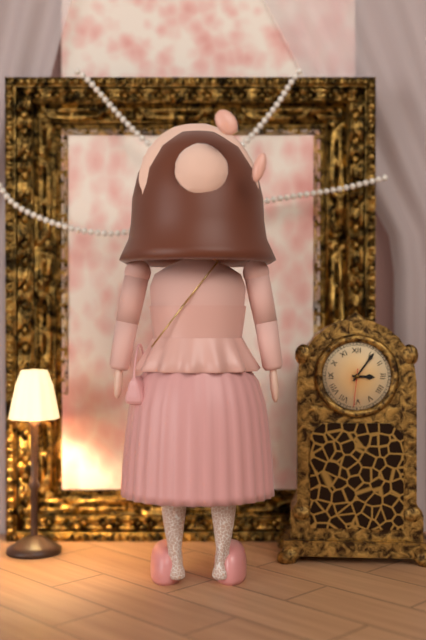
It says 3 h 06 min
